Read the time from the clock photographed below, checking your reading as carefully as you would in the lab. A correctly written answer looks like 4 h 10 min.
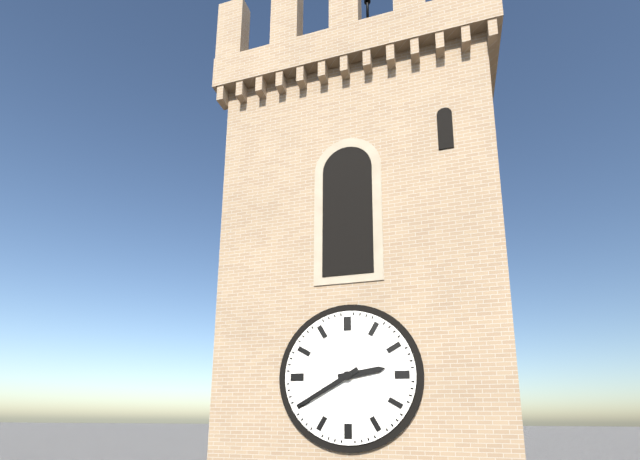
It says 2 h 40 min
